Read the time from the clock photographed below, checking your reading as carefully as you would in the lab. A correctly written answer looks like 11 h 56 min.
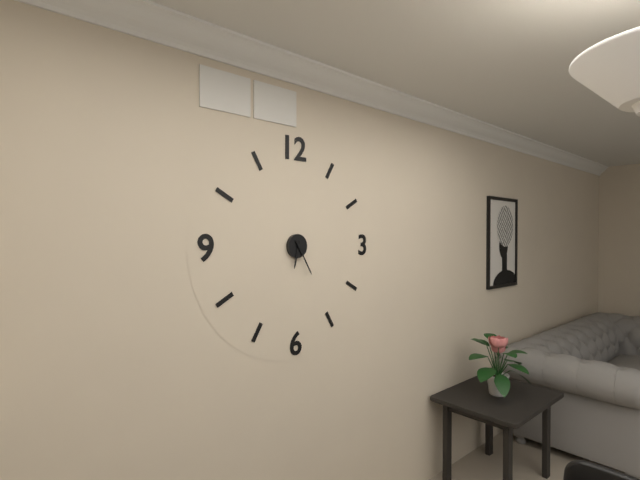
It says 6 h 25 min
